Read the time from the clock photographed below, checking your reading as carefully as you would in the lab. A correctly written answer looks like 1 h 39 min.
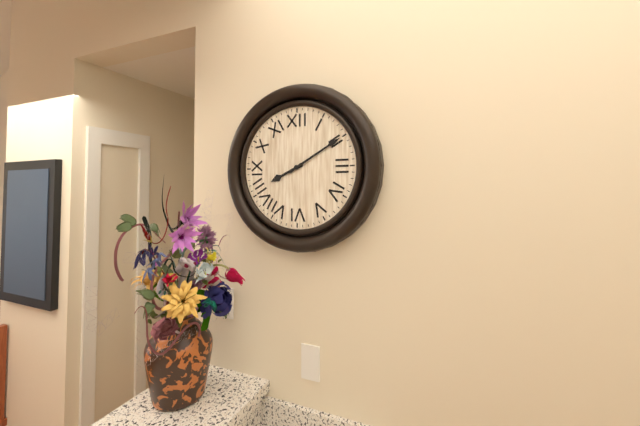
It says 8 h 10 min
